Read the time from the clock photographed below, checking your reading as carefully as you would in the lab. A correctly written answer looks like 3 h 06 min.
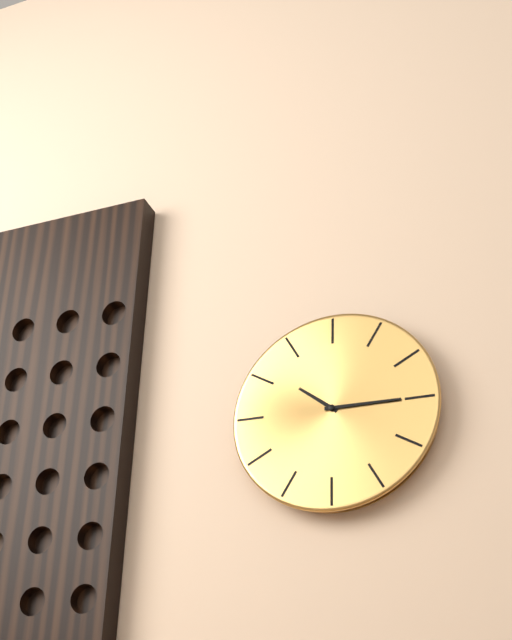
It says 10 h 15 min
